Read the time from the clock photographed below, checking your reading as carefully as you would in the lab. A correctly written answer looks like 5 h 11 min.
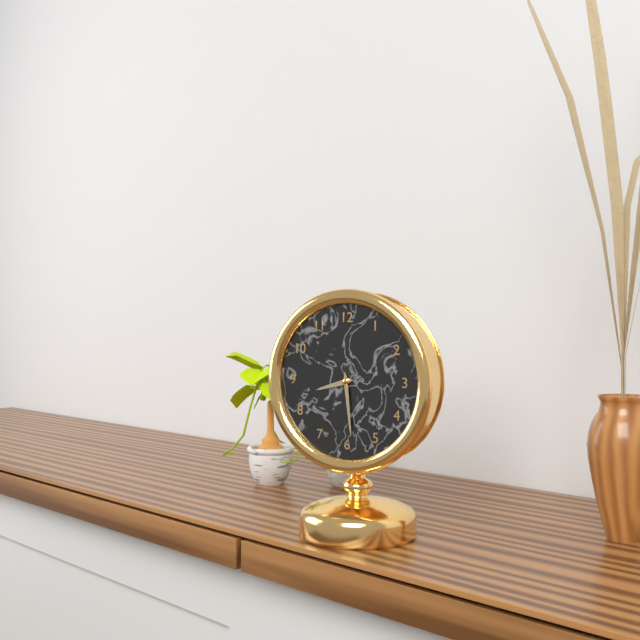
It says 8 h 29 min
